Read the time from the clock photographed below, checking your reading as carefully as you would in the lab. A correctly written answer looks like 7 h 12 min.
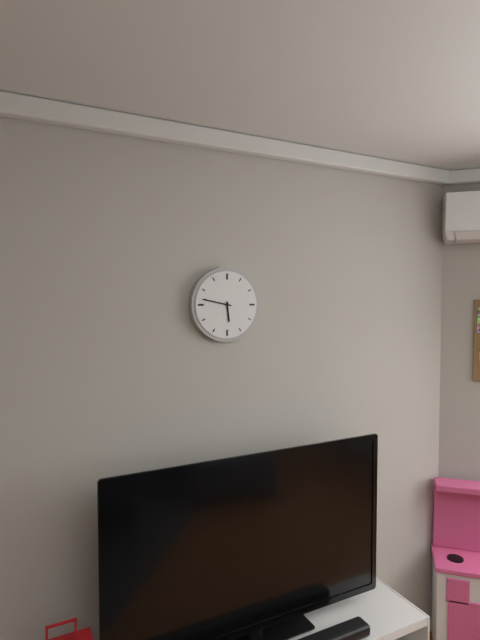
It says 5 h 47 min
